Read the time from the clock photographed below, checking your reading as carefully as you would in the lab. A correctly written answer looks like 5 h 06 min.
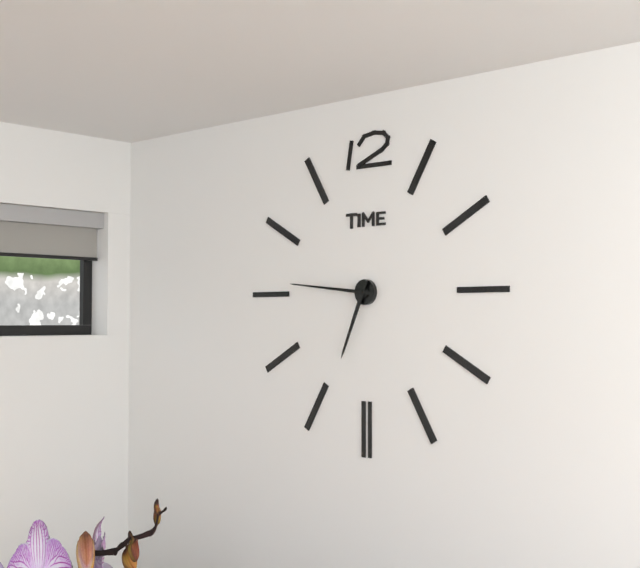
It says 6 h 46 min
